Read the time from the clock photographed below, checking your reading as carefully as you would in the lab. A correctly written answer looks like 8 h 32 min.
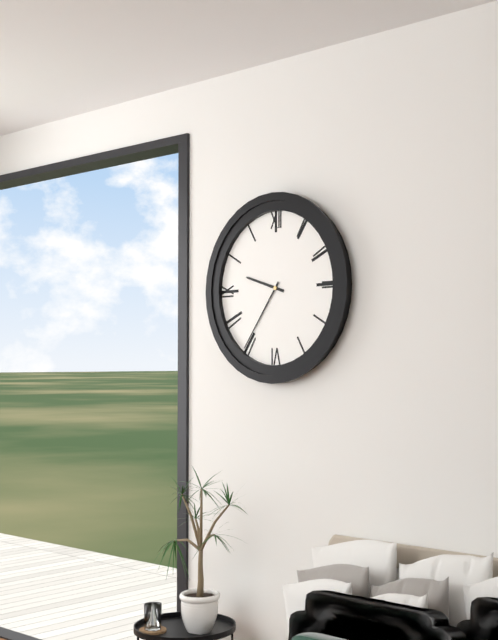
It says 9 h 36 min
